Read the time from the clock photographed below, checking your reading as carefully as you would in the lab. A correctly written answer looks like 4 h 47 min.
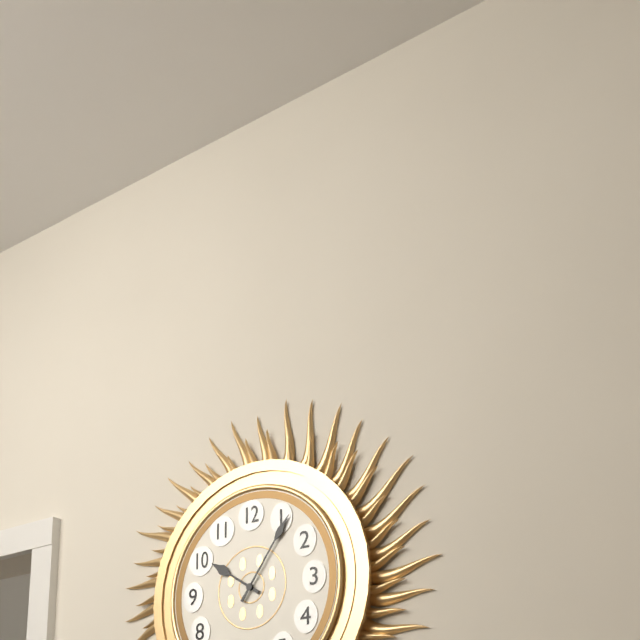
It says 10 h 06 min
